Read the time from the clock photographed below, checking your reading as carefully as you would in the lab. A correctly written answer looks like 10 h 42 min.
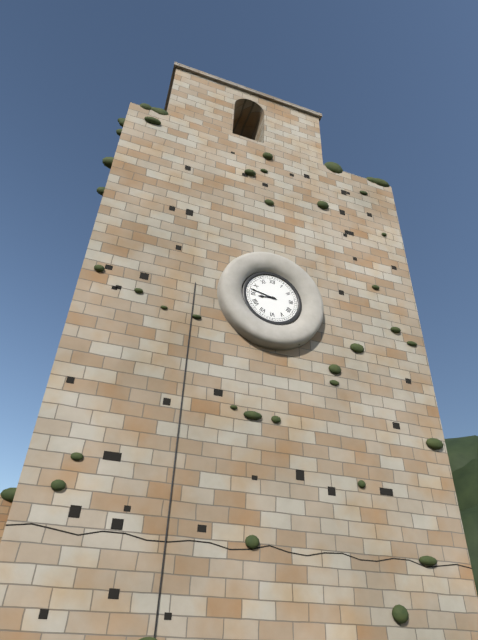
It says 8 h 47 min
